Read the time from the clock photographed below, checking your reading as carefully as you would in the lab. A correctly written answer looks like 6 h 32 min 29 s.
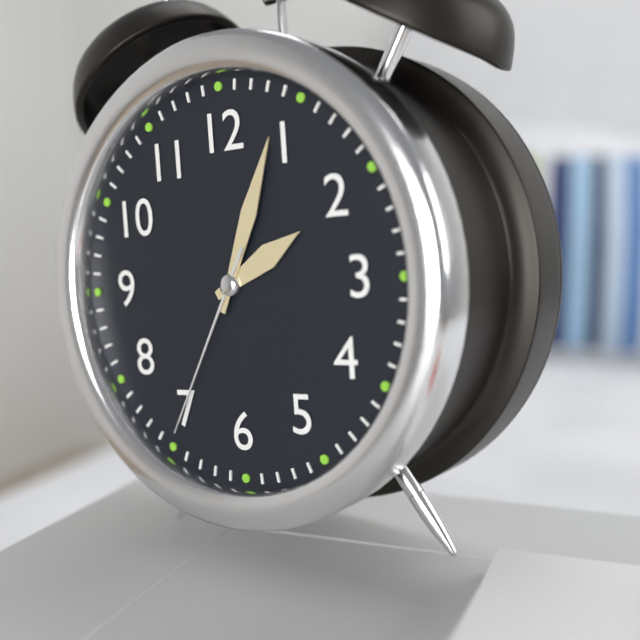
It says 2 h 04 min 35 s
